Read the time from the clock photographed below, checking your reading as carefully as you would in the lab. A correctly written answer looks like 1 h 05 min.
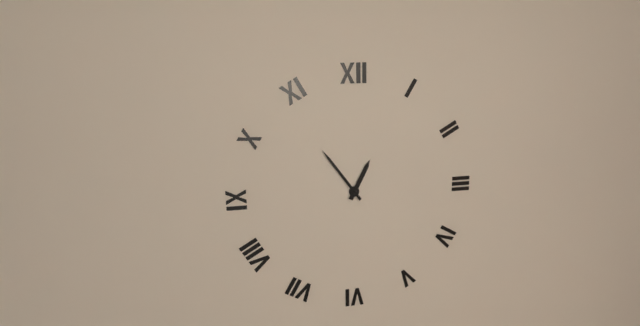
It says 12 h 54 min
